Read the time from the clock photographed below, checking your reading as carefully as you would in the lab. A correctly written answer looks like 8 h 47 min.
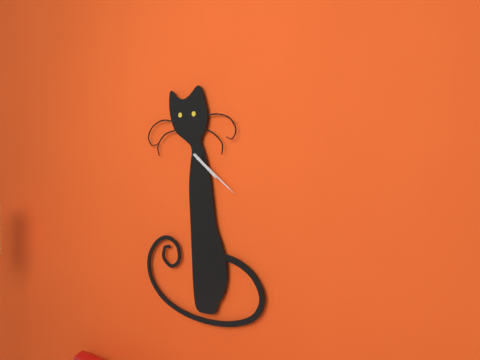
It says 4 h 21 min
